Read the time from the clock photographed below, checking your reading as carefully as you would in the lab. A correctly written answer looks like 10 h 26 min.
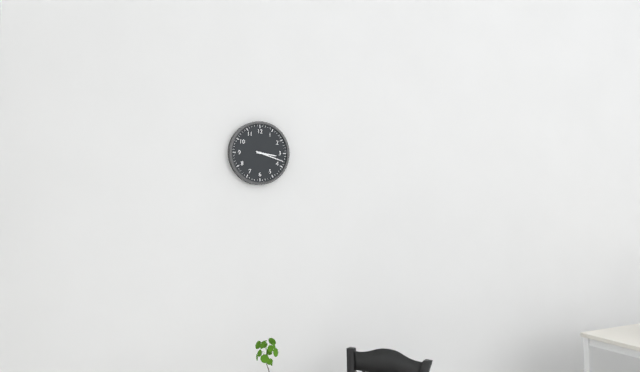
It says 3 h 18 min
